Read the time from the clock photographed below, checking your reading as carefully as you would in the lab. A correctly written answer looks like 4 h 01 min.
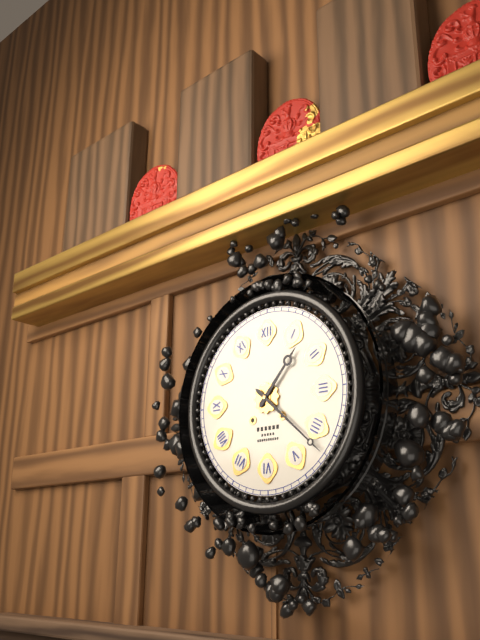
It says 1 h 22 min
